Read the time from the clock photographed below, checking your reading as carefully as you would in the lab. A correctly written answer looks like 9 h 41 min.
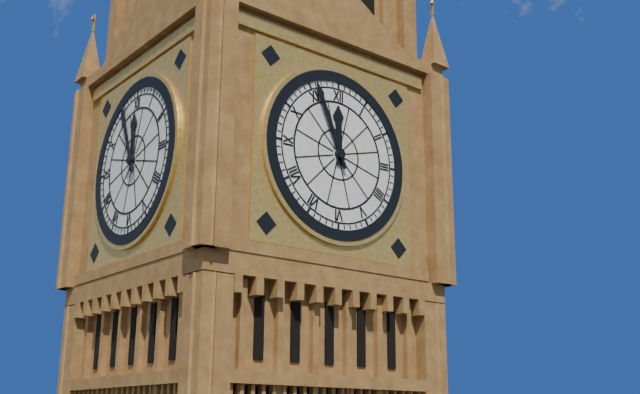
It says 11 h 56 min
